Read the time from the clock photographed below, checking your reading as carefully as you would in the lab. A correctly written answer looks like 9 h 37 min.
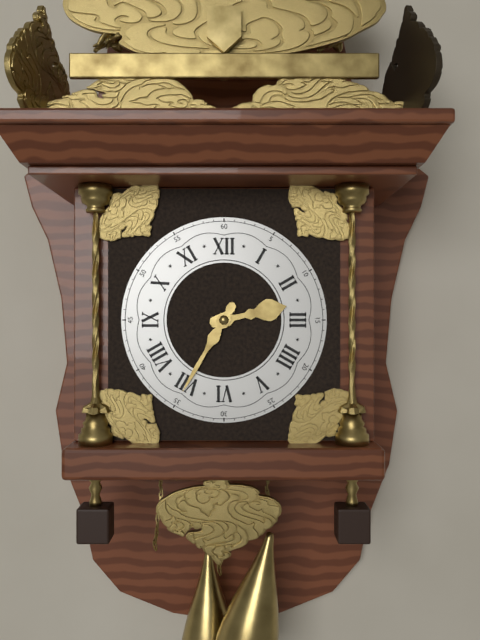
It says 2 h 35 min
